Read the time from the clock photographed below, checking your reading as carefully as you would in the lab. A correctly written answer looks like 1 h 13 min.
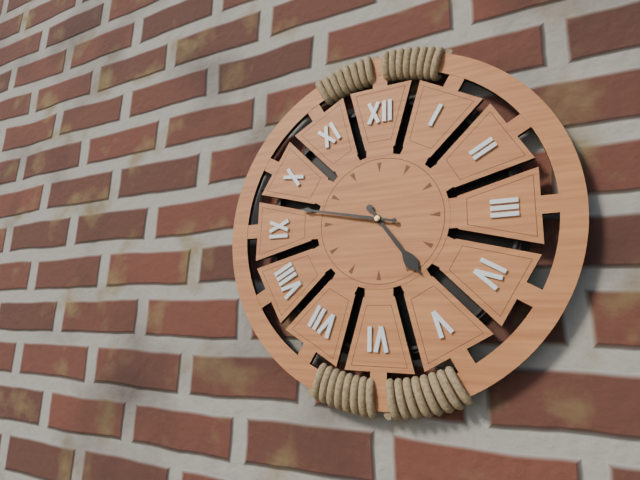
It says 4 h 47 min
